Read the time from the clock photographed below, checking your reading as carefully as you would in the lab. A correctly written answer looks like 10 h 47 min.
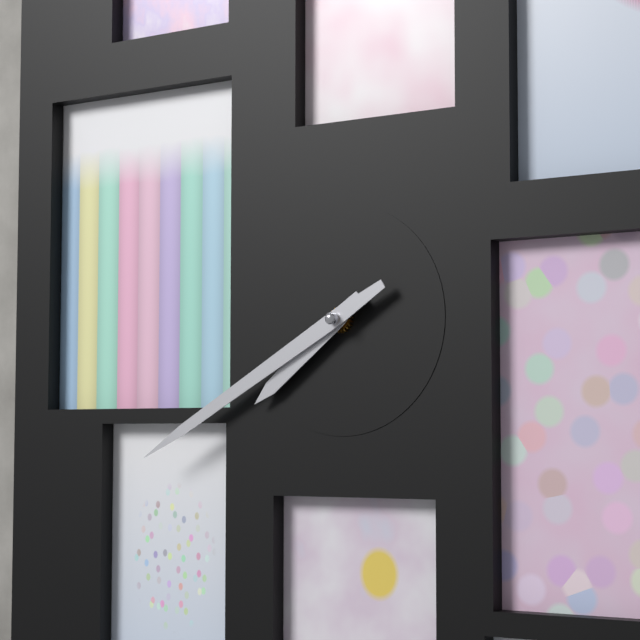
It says 7 h 40 min
